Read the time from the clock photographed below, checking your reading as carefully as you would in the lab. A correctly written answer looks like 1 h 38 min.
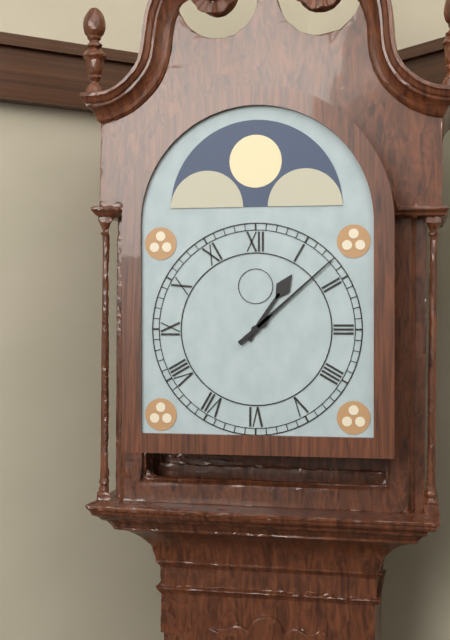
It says 1 h 08 min
